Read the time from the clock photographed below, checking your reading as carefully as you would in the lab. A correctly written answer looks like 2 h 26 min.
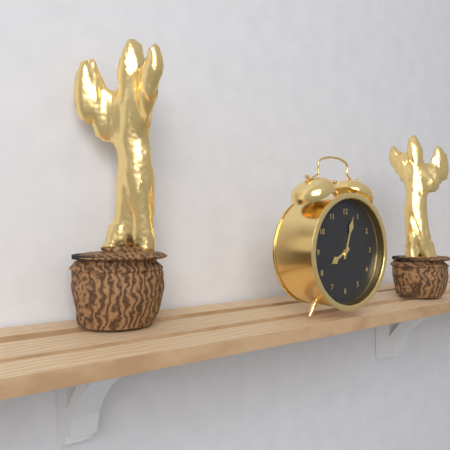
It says 8 h 03 min
